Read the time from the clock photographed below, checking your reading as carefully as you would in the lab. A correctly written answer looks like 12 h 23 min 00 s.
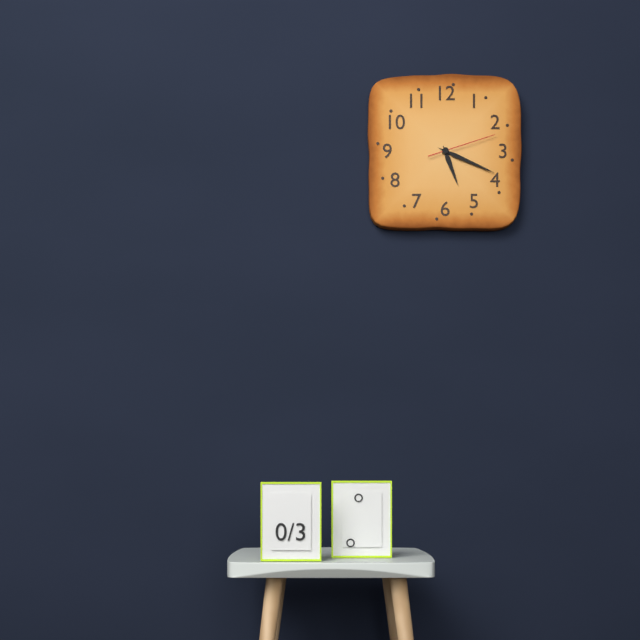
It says 5 h 19 min 12 s
